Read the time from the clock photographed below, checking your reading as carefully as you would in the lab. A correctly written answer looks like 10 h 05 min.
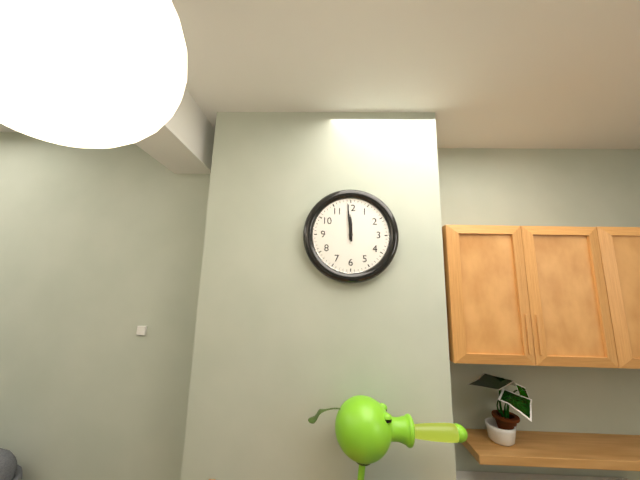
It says 11 h 59 min
